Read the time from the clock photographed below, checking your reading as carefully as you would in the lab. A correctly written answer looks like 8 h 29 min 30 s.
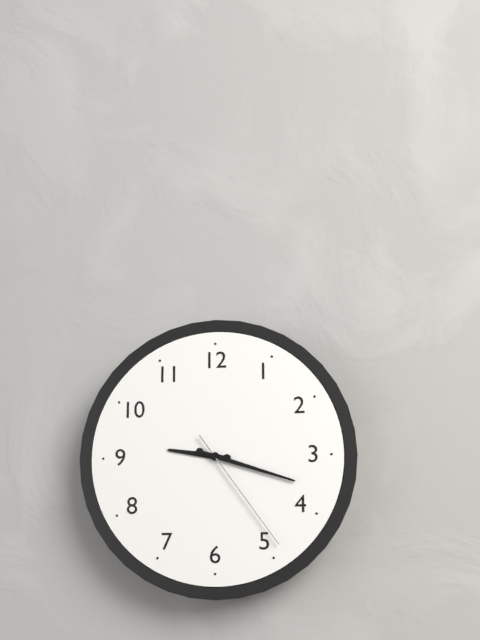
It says 9 h 18 min 24 s
